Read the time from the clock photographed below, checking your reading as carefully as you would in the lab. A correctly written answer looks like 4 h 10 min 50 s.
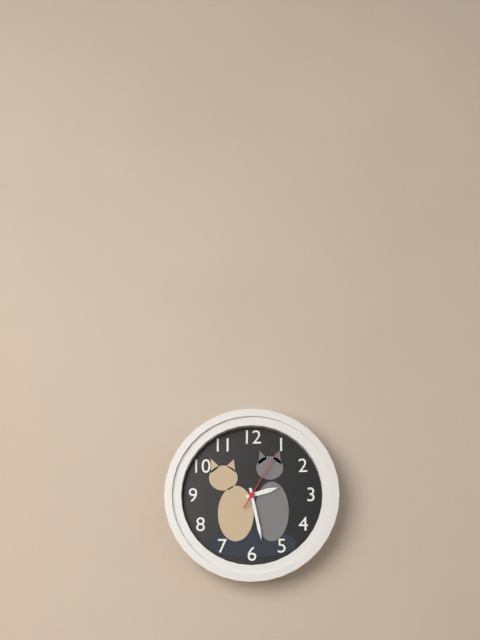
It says 2 h 28 min 05 s
